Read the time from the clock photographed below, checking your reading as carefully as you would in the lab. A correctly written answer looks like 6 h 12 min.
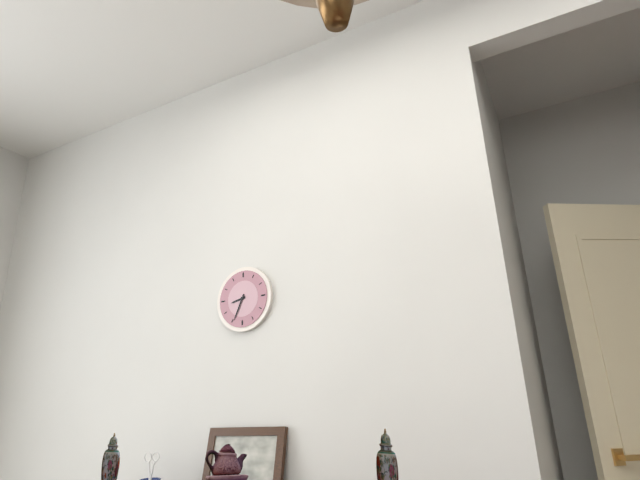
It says 8 h 34 min
